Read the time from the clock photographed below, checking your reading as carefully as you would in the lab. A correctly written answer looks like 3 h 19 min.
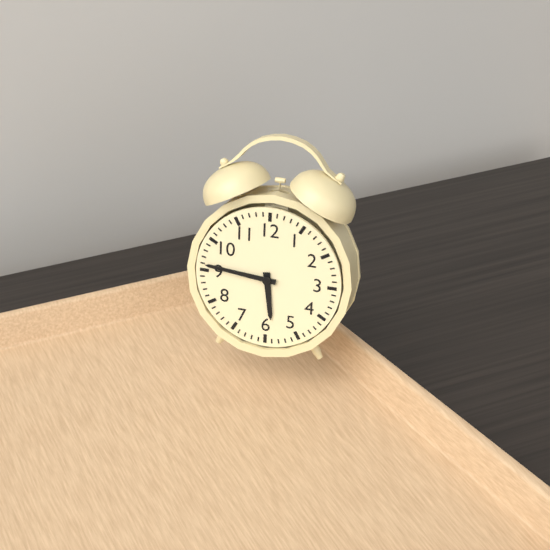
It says 5 h 46 min
